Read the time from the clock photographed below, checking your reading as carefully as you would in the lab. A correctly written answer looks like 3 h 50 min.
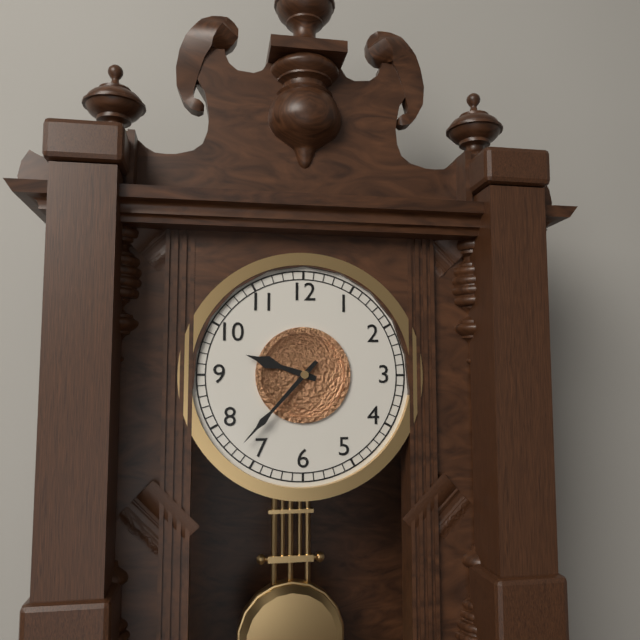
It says 9 h 37 min
